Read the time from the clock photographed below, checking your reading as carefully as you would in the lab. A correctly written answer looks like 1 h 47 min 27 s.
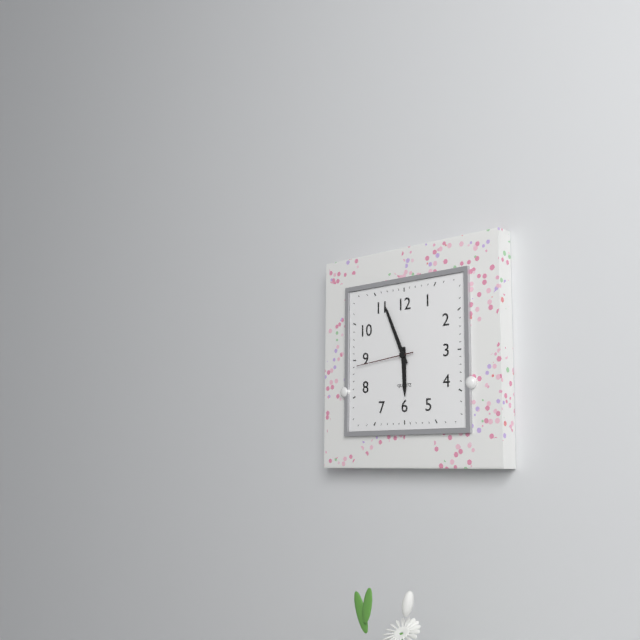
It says 5 h 56 min 44 s
